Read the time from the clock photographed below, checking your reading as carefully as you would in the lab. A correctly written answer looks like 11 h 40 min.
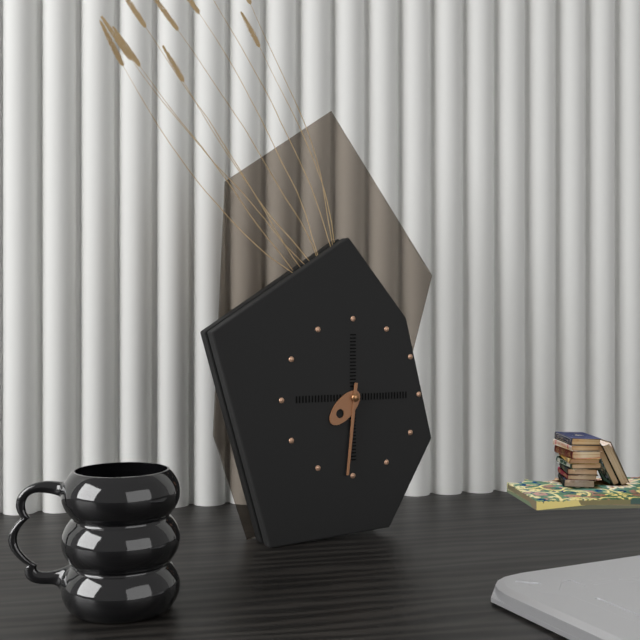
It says 7 h 31 min
